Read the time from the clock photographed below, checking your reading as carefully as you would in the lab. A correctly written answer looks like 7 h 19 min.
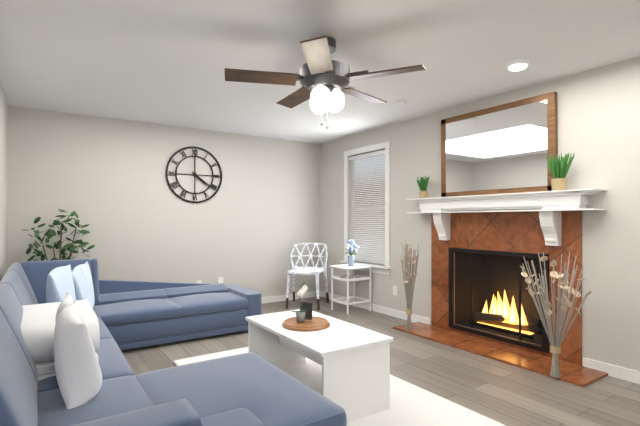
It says 4 h 21 min
